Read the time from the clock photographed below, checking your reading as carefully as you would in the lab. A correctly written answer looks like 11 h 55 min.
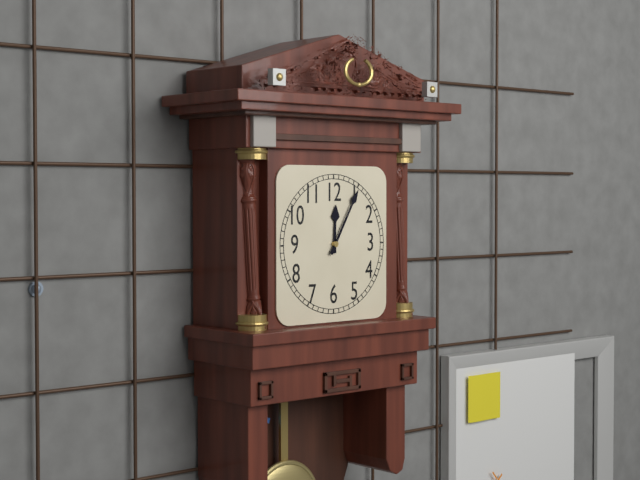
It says 12 h 05 min
